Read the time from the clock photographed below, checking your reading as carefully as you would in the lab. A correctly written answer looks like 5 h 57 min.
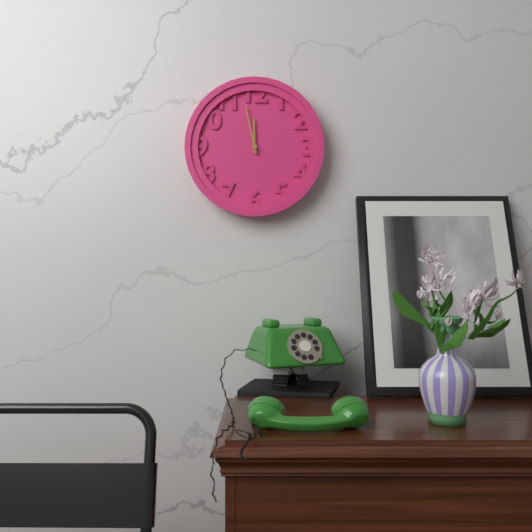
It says 11 h 58 min
